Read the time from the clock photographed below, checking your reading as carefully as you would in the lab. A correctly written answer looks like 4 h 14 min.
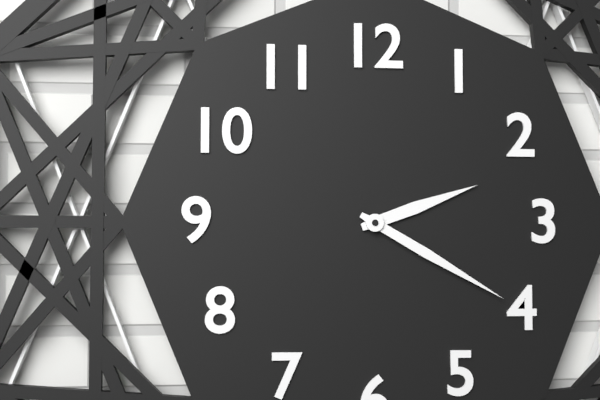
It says 2 h 20 min
